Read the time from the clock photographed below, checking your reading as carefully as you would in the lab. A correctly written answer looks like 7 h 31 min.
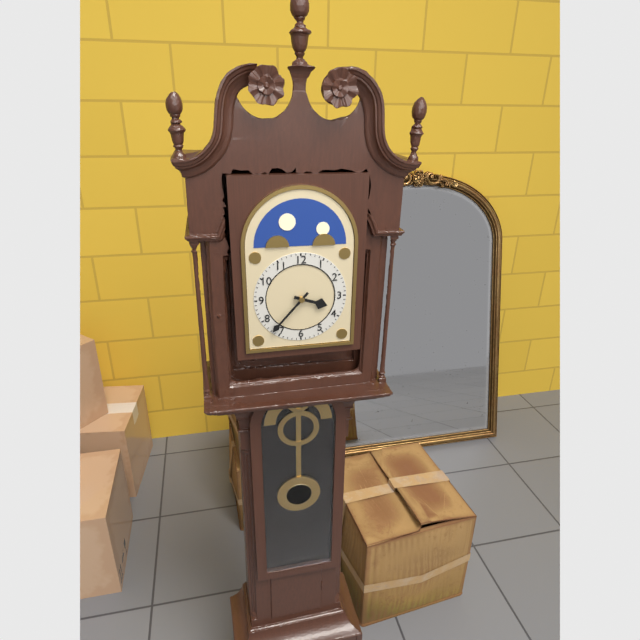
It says 3 h 37 min
